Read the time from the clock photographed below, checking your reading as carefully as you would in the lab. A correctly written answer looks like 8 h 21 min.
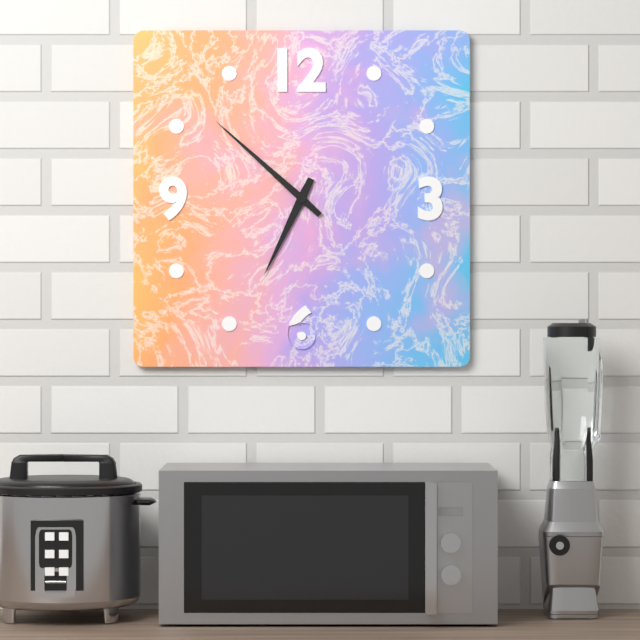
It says 6 h 52 min
